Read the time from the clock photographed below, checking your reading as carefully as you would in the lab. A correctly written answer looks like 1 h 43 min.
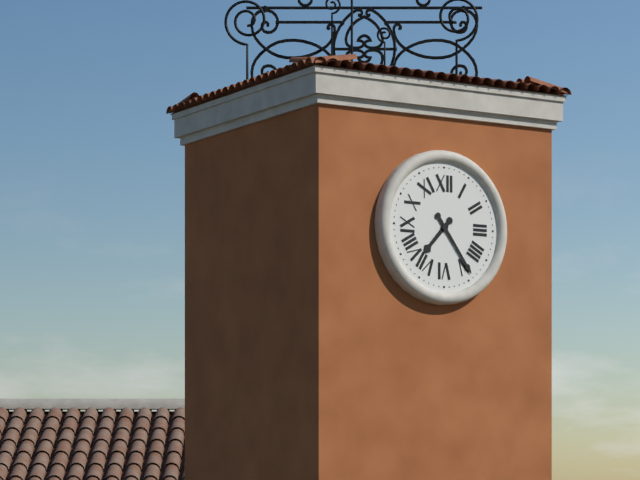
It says 7 h 24 min
